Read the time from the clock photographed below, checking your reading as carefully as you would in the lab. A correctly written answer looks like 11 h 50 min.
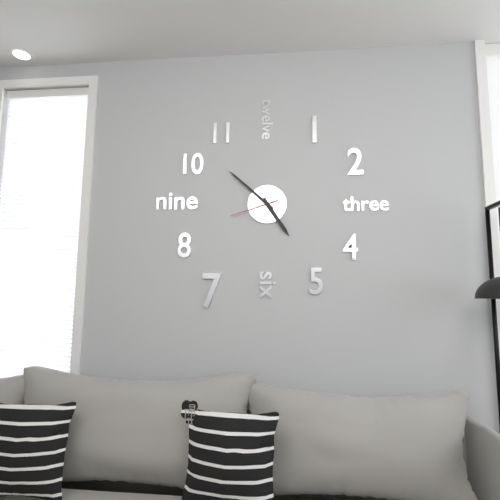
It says 4 h 52 min
